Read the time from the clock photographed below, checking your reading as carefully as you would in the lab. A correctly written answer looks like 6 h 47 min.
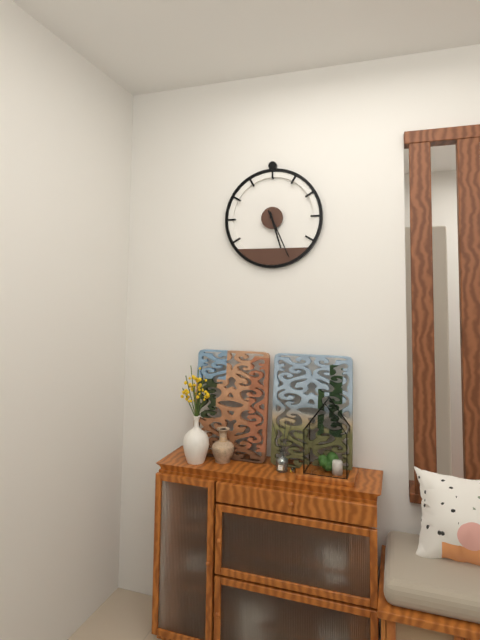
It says 5 h 26 min
